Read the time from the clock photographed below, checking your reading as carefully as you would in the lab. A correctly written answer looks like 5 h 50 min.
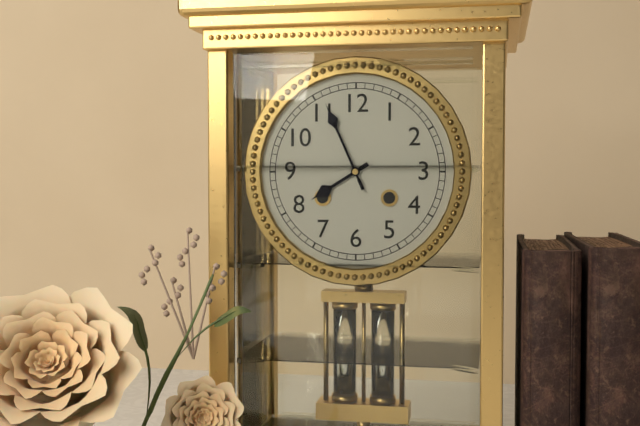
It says 7 h 56 min
